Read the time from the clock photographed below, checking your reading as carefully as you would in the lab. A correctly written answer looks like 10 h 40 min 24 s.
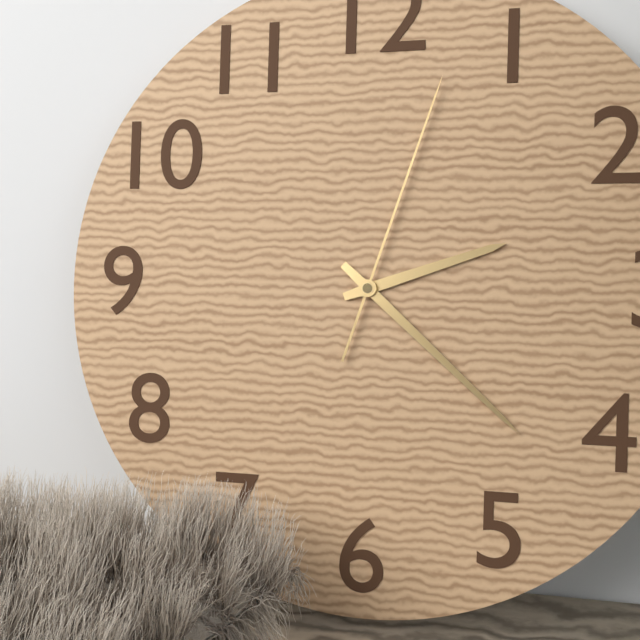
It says 2 h 22 min 03 s
